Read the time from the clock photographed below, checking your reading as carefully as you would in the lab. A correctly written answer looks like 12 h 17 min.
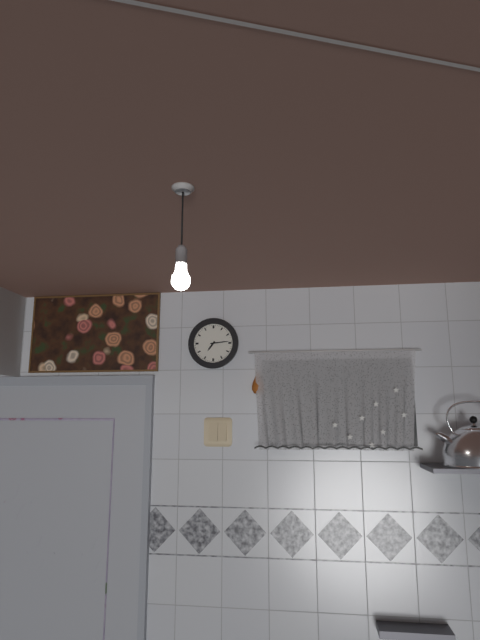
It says 7 h 14 min
